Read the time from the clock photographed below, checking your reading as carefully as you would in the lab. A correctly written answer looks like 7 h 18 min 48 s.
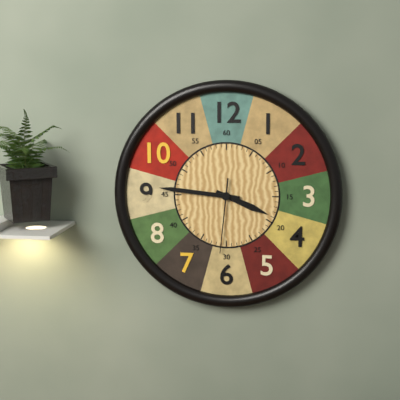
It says 3 h 46 min 31 s
